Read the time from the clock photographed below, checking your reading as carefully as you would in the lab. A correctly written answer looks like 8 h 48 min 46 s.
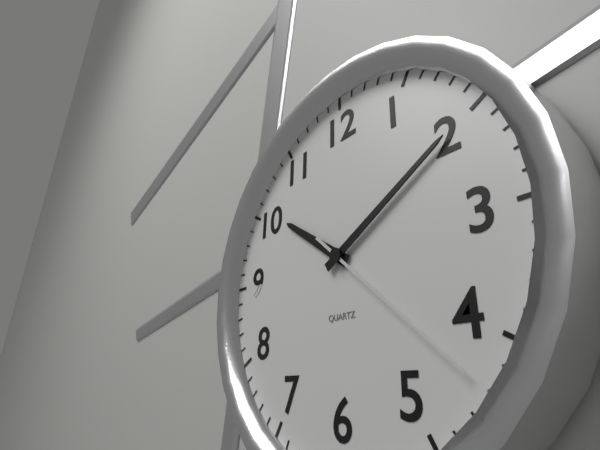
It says 10 h 10 min 22 s
